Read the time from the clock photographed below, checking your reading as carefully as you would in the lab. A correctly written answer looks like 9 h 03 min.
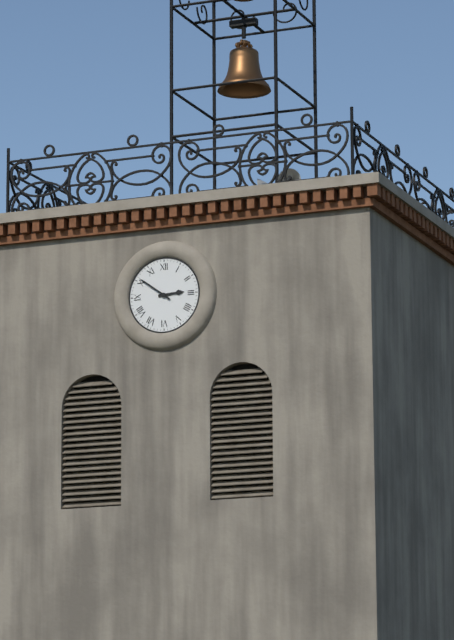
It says 2 h 51 min
